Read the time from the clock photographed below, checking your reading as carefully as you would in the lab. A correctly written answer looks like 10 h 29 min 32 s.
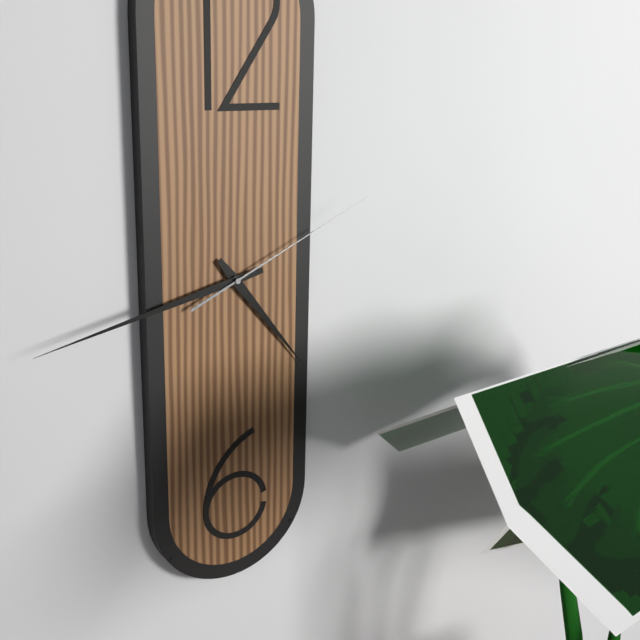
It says 4 h 43 min 11 s
